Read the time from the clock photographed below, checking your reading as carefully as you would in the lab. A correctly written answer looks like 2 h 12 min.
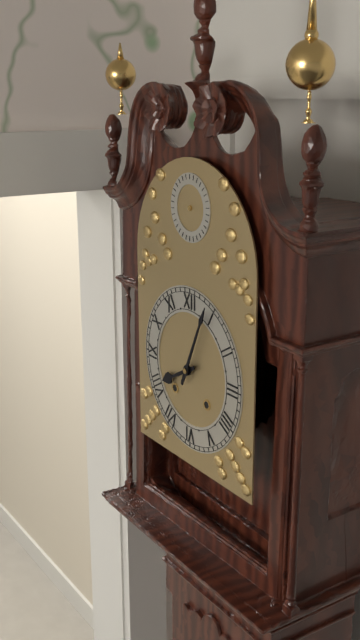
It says 8 h 04 min
